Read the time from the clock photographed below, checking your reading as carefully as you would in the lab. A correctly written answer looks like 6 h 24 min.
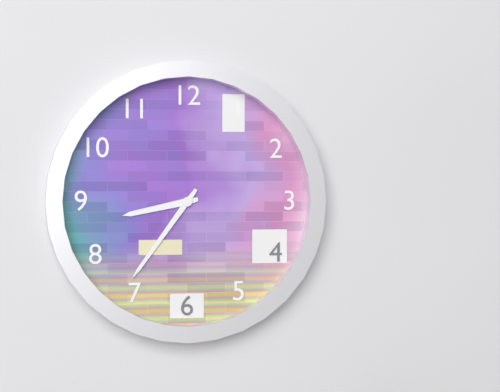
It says 8 h 36 min
